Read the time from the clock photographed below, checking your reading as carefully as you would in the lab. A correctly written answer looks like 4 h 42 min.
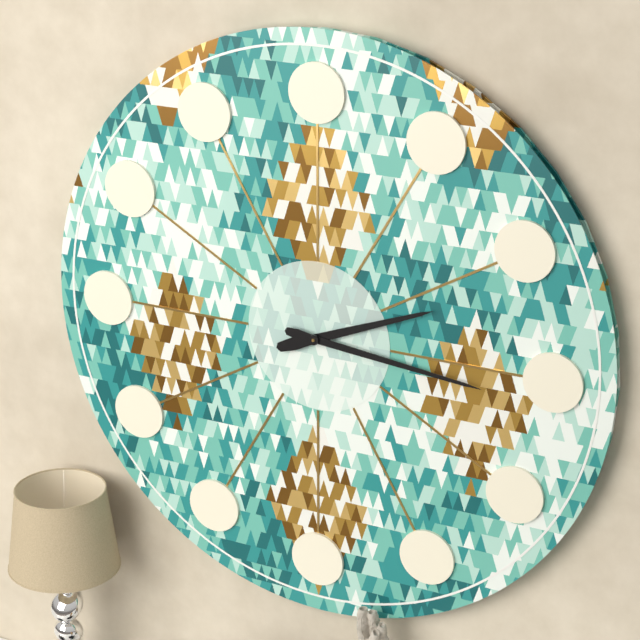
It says 2 h 16 min
